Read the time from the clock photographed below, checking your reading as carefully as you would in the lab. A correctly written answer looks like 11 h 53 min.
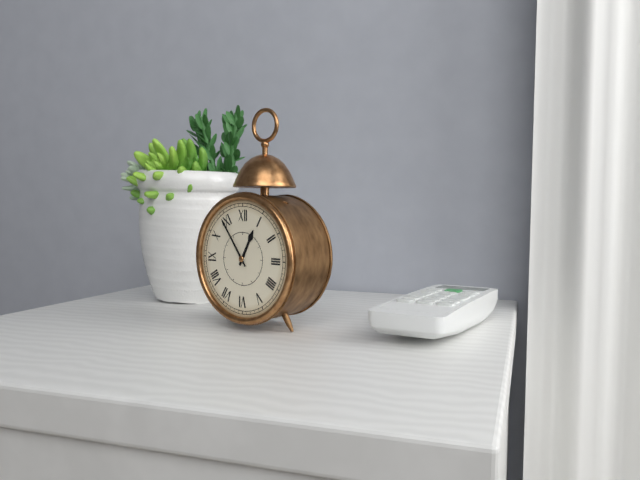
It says 12 h 54 min
